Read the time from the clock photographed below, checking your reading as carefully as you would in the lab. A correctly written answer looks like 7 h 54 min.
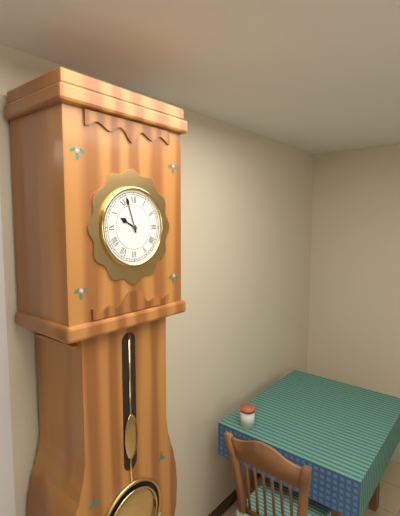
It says 9 h 57 min
